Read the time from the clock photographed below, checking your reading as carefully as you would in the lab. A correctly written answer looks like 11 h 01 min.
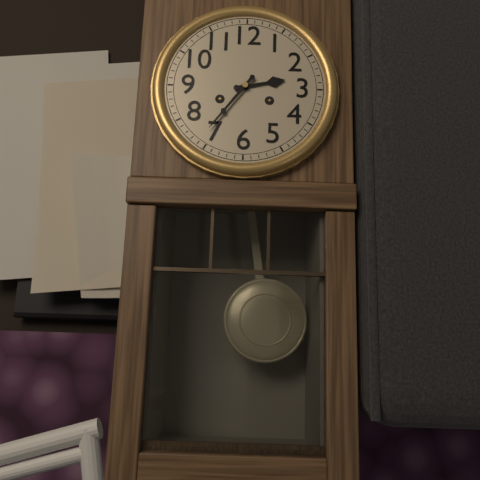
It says 2 h 36 min
